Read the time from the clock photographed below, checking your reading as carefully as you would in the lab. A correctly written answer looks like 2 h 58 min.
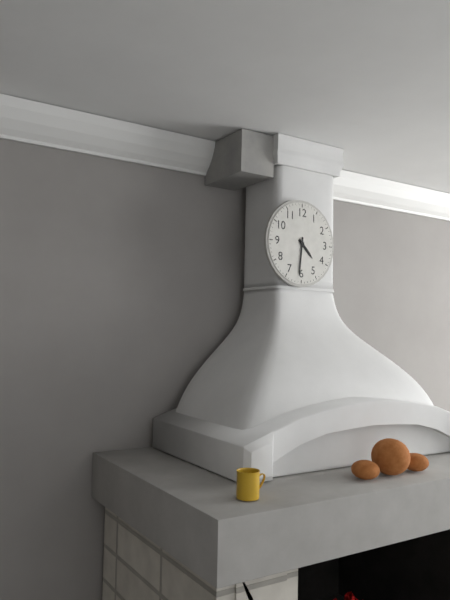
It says 4 h 31 min
